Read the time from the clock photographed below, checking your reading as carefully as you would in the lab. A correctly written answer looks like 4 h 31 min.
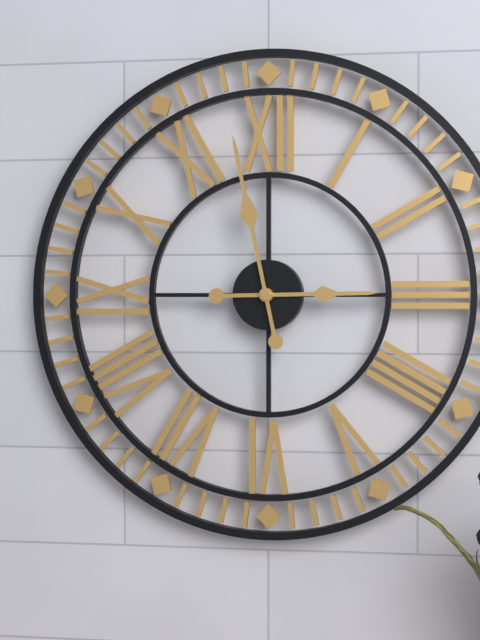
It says 2 h 58 min
